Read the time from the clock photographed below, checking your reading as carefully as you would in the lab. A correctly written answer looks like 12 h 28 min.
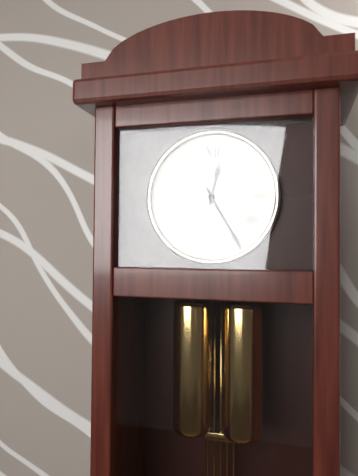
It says 12 h 25 min
